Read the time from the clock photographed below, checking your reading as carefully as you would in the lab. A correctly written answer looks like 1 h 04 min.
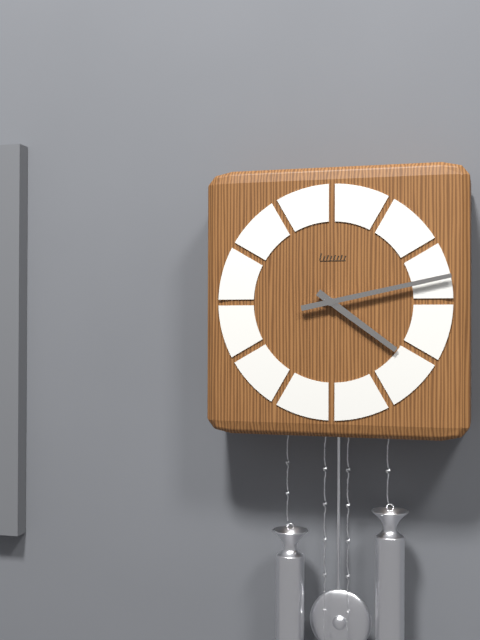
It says 4 h 13 min
